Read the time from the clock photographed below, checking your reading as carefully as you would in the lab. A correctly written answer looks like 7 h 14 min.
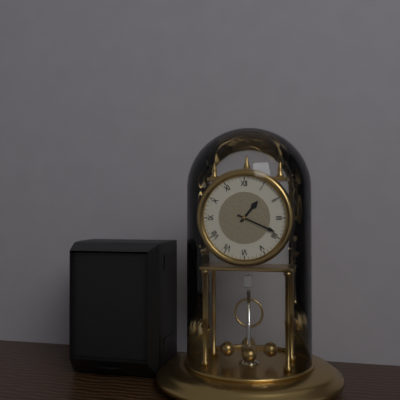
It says 1 h 19 min
